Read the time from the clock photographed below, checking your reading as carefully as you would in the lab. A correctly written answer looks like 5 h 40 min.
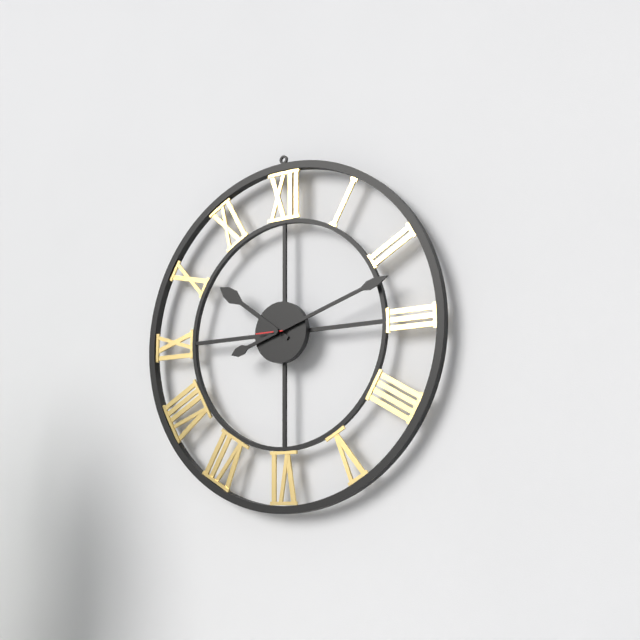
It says 10 h 12 min
